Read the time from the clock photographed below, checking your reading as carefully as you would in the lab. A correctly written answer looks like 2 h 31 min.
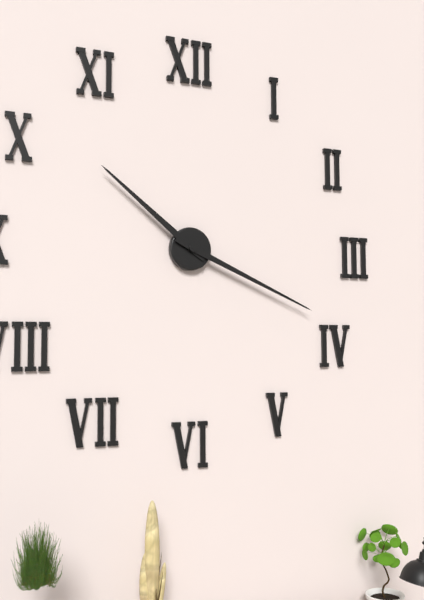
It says 10 h 19 min
